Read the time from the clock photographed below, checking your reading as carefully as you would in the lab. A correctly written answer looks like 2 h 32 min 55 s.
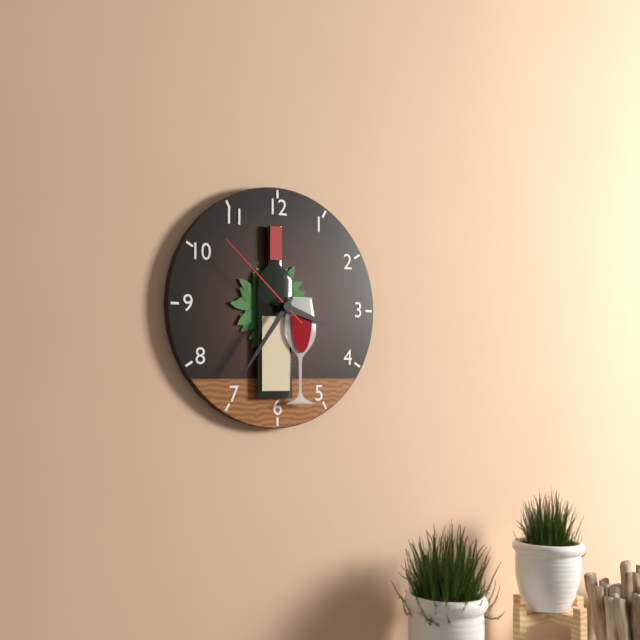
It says 3 h 36 min 52 s
